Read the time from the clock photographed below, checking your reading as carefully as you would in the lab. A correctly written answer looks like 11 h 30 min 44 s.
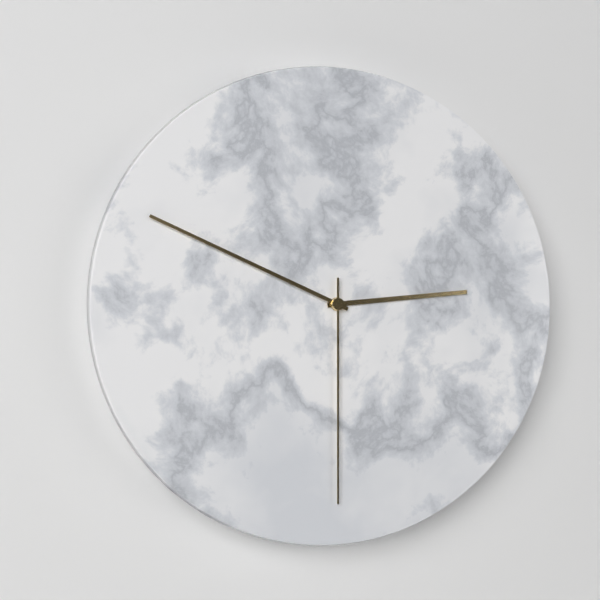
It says 2 h 49 min 30 s
